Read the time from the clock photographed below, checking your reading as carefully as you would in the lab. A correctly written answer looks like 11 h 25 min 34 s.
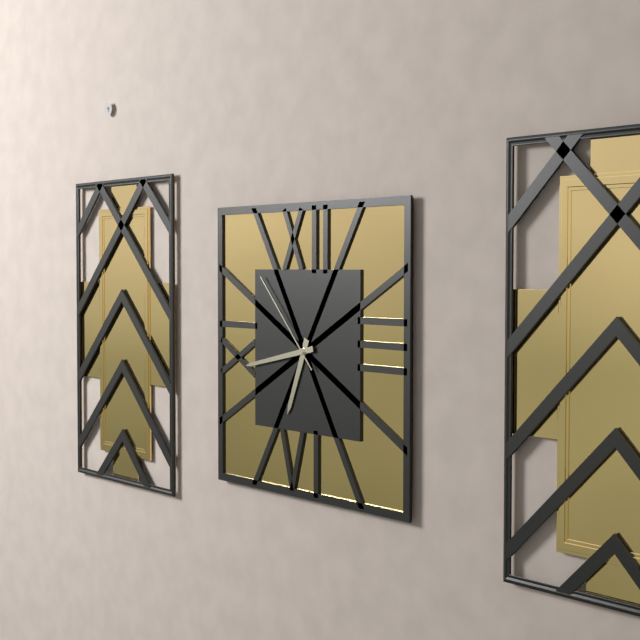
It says 6 h 43 min 53 s
